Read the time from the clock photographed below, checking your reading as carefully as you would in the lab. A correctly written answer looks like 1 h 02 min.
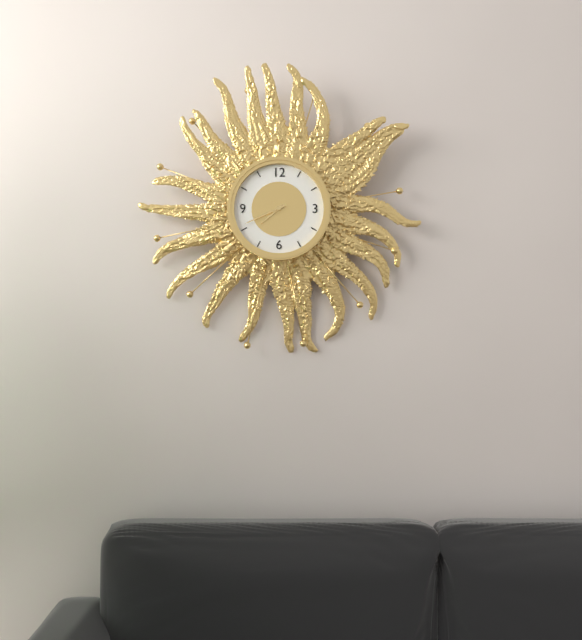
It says 7 h 41 min
